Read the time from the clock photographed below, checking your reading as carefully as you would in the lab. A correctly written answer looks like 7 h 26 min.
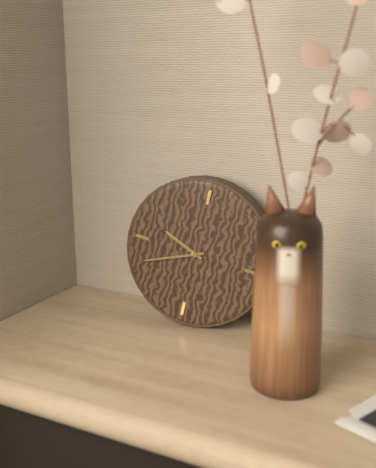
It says 9 h 41 min
